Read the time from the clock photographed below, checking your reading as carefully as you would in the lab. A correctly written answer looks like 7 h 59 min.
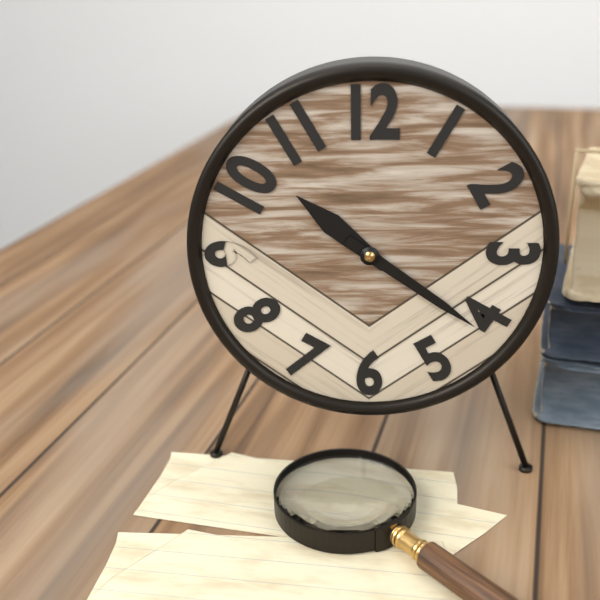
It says 10 h 21 min
